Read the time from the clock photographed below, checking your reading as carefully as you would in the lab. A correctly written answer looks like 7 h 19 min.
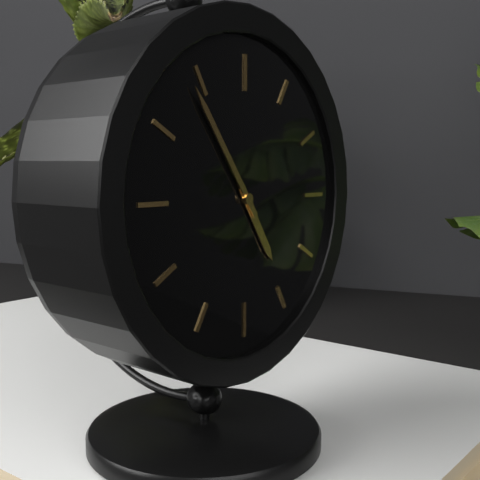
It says 4 h 54 min
